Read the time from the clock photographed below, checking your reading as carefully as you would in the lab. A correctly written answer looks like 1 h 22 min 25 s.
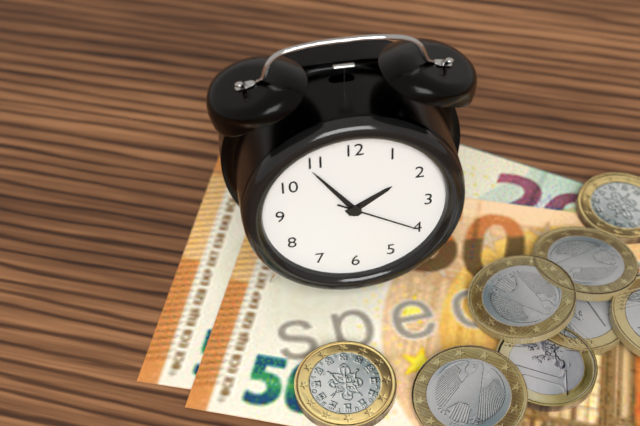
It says 1 h 54 min 20 s
